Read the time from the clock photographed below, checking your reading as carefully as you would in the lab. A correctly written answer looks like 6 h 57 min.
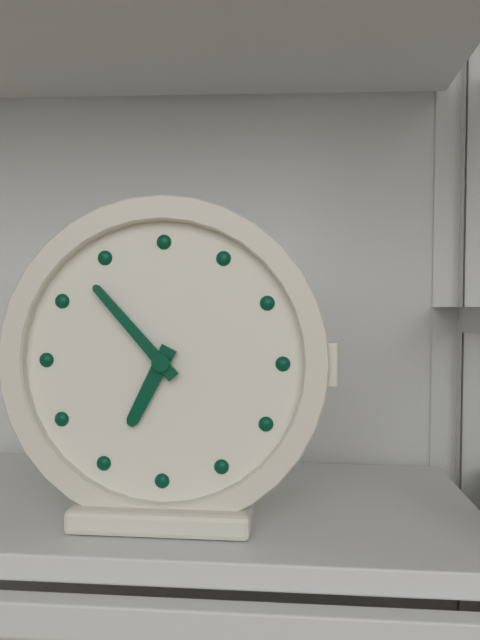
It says 6 h 53 min
